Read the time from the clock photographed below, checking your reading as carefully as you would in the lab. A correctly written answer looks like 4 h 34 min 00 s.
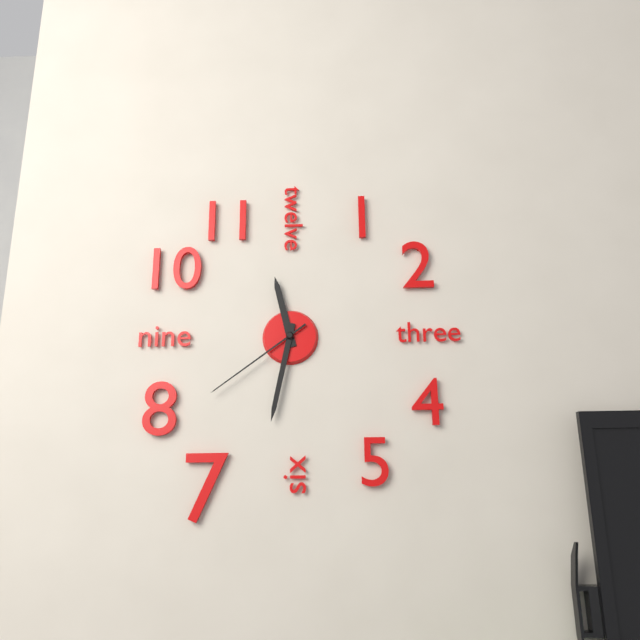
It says 11 h 32 min 39 s
